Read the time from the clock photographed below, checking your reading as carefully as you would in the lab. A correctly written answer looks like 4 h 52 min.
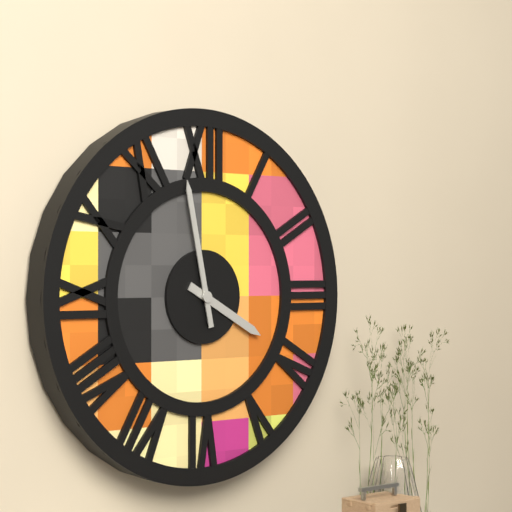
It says 3 h 58 min
